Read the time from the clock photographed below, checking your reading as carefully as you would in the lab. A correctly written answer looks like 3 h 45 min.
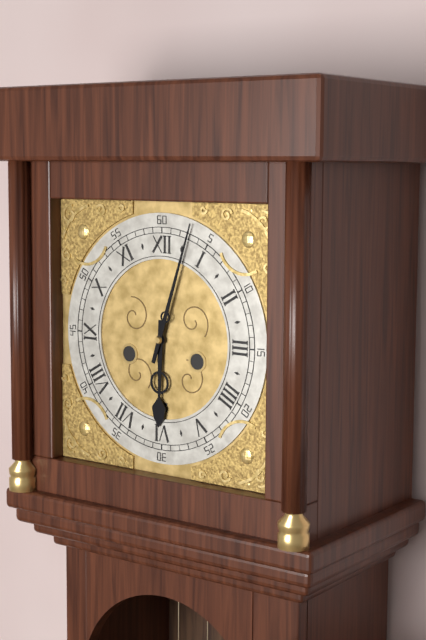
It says 6 h 03 min
